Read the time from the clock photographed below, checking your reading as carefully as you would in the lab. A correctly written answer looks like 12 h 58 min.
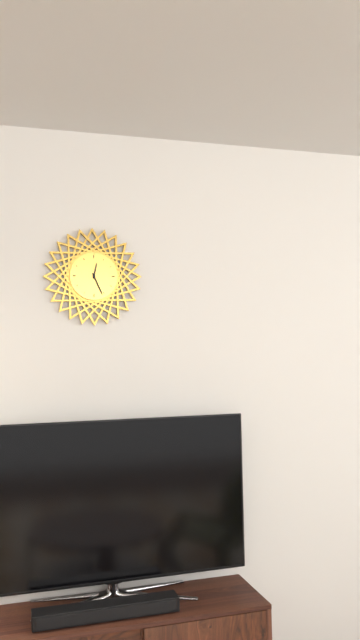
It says 12 h 26 min
